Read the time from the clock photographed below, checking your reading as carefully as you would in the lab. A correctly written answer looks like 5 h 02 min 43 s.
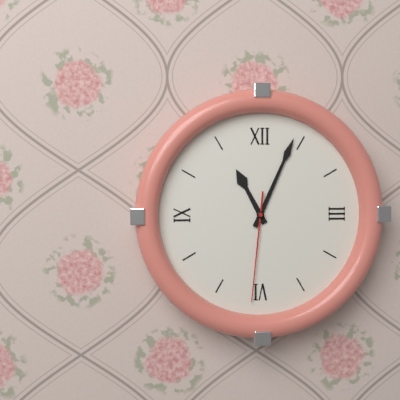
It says 11 h 04 min 31 s
